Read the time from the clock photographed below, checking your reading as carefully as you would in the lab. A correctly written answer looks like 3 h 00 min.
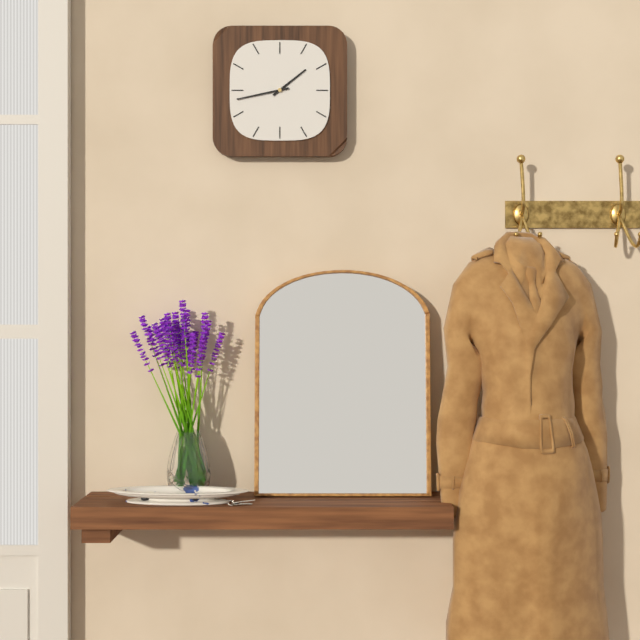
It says 1 h 43 min
